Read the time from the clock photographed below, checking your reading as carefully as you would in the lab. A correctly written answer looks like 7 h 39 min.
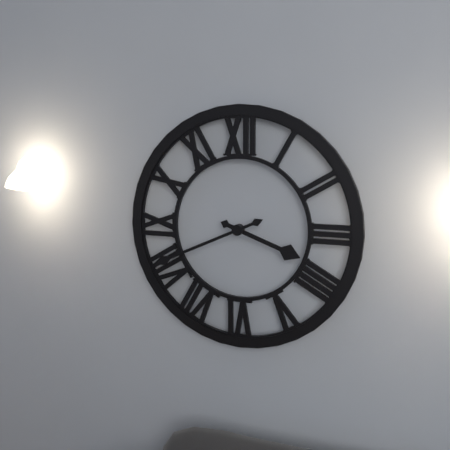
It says 3 h 41 min
